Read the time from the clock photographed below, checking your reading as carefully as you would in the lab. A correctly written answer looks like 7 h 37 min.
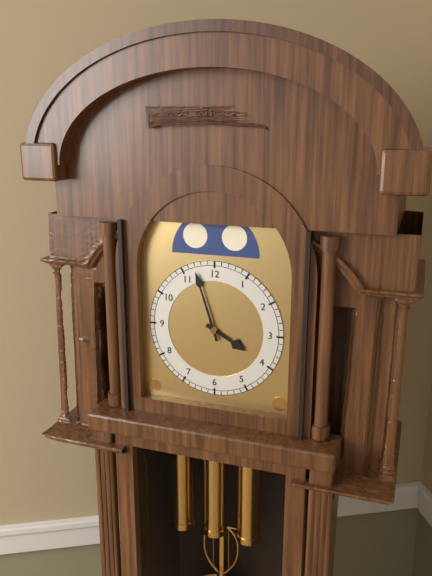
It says 3 h 57 min
